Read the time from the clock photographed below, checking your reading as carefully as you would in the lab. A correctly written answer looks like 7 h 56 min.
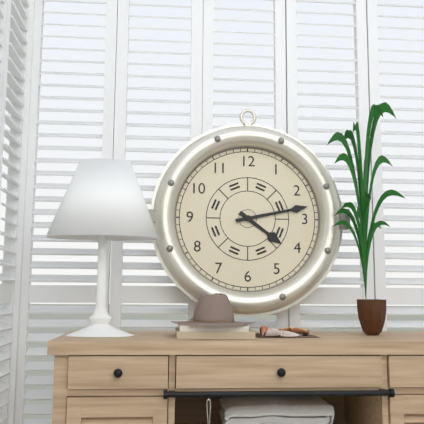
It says 4 h 13 min
